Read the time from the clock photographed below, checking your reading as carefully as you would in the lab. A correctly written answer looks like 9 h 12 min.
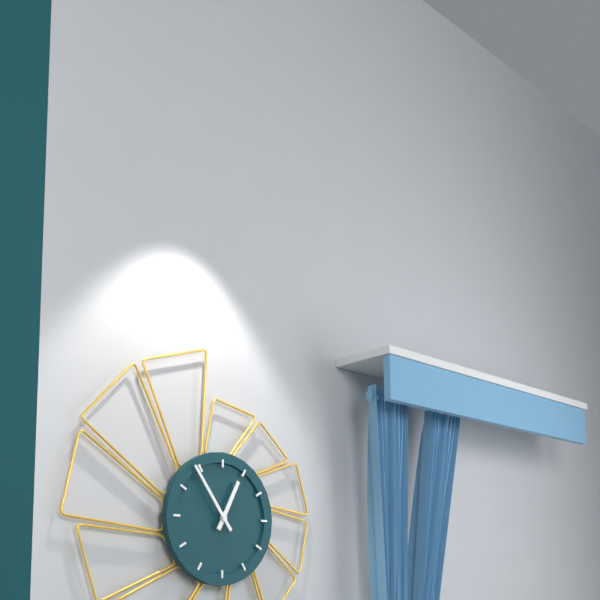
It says 12 h 54 min
